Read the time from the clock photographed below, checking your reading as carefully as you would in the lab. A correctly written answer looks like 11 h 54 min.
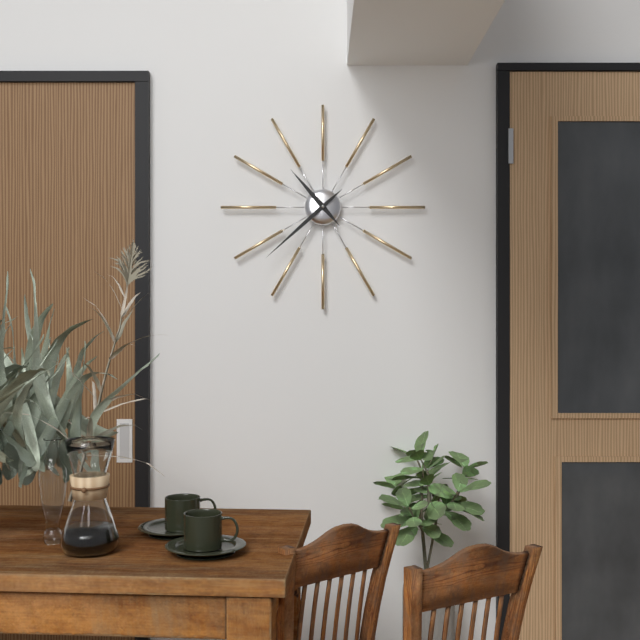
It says 10 h 38 min
